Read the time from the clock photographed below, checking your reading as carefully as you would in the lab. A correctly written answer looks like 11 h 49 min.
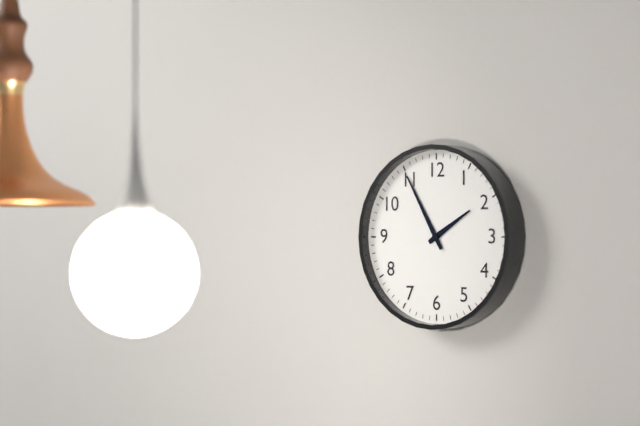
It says 1 h 55 min
